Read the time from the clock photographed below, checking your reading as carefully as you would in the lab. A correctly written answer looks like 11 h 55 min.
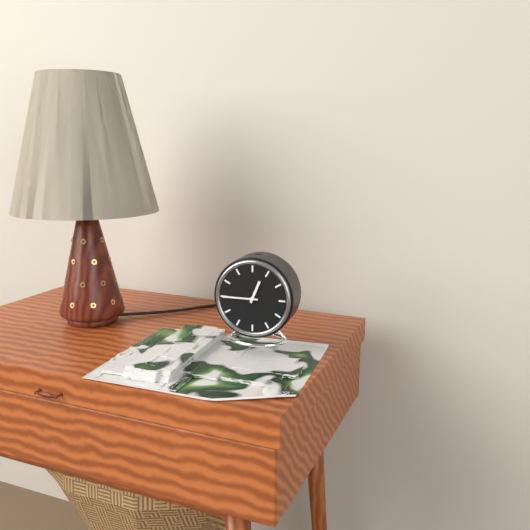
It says 12 h 45 min
